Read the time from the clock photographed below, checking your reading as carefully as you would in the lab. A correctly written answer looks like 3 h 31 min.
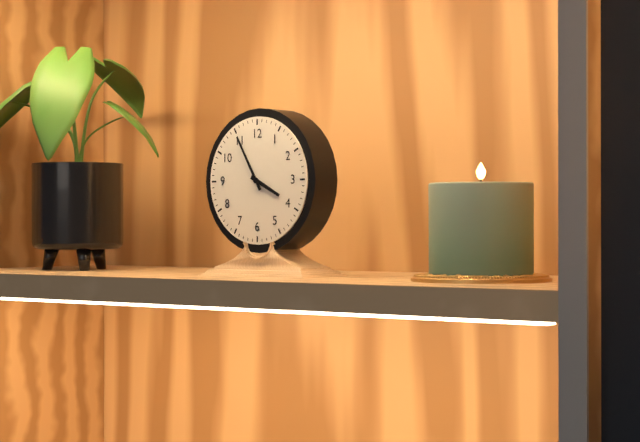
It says 3 h 55 min
